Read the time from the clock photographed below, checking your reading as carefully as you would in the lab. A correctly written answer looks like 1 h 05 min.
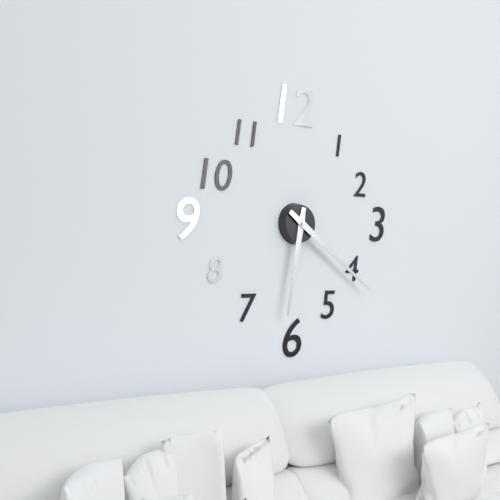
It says 6 h 21 min
